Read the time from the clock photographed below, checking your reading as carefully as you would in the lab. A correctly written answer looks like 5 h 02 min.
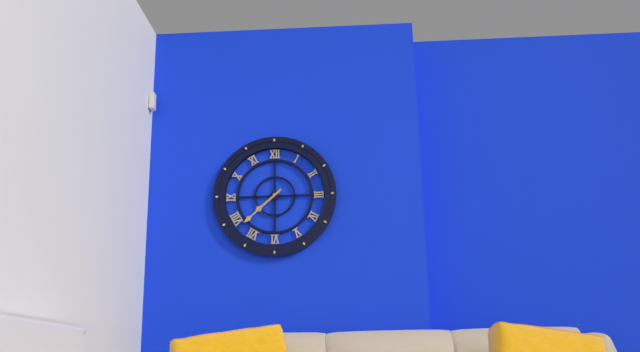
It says 7 h 38 min
